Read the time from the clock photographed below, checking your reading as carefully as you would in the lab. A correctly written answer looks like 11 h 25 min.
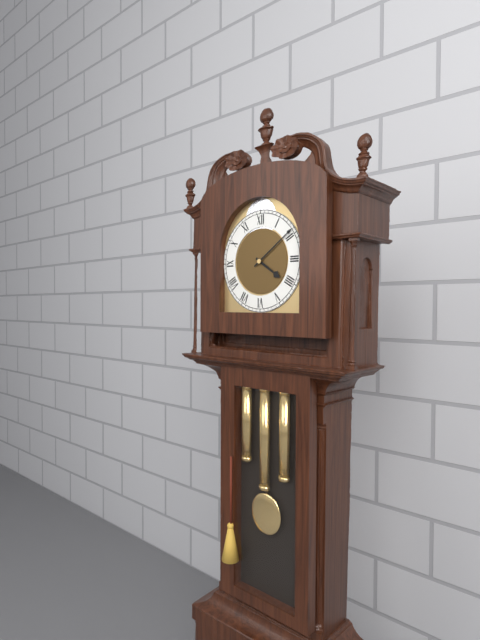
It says 4 h 09 min
